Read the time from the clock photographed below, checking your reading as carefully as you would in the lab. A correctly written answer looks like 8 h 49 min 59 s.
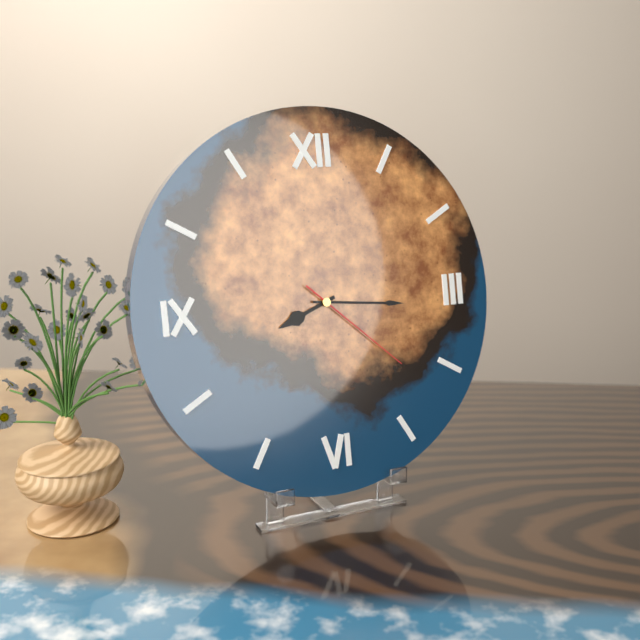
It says 8 h 16 min 22 s
